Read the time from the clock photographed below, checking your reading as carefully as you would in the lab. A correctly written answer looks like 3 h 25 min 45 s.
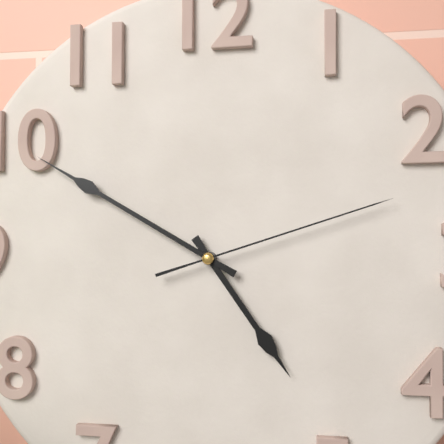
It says 4 h 50 min 12 s
